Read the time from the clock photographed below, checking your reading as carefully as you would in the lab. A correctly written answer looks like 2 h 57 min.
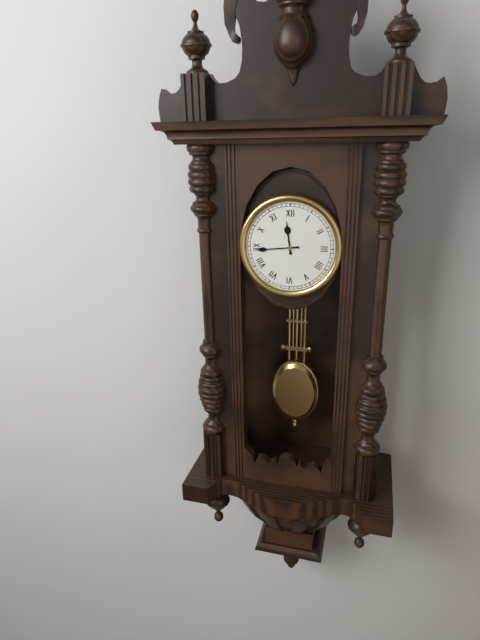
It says 11 h 44 min
